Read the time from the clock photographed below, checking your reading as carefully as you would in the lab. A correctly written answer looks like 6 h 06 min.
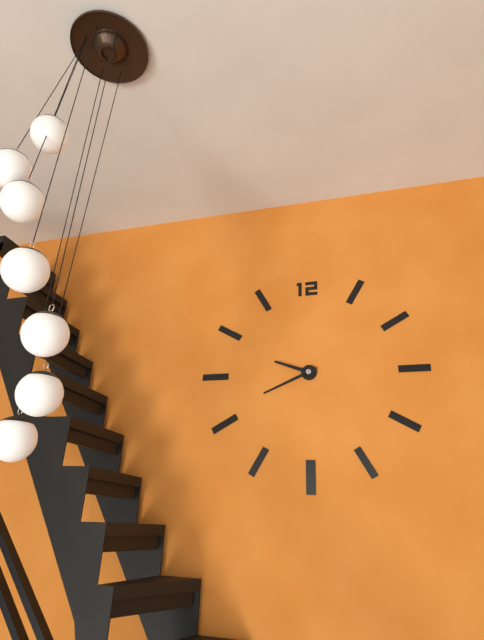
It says 9 h 41 min
